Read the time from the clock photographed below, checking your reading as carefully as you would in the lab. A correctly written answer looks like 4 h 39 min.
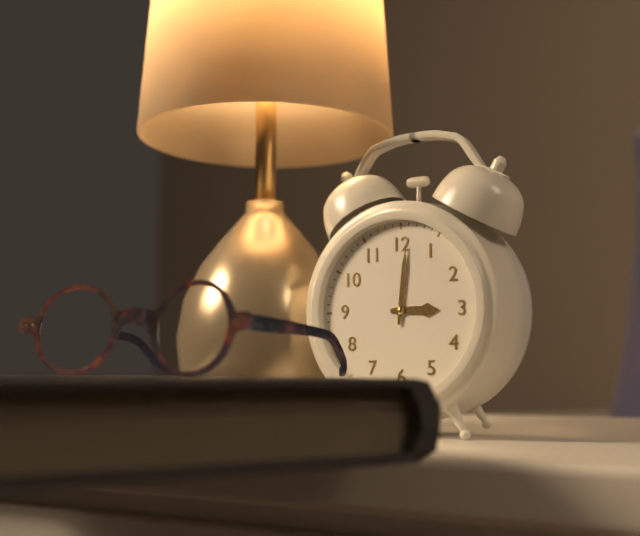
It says 3 h 01 min
